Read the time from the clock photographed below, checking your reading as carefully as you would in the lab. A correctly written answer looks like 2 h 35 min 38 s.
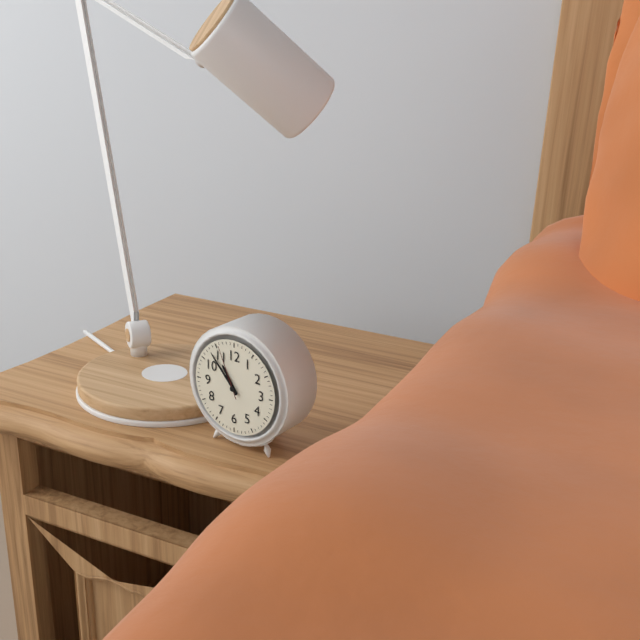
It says 10 h 53 min 56 s
